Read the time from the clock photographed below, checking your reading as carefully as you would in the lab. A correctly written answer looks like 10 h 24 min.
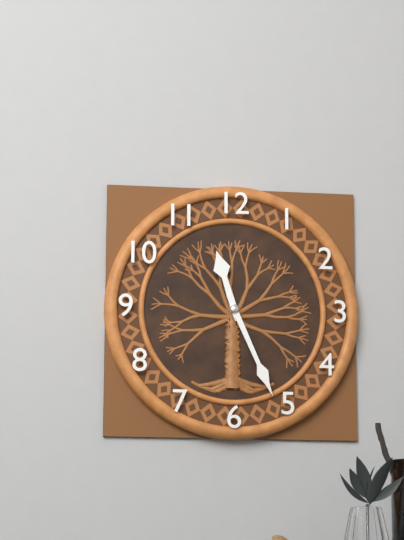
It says 11 h 26 min
